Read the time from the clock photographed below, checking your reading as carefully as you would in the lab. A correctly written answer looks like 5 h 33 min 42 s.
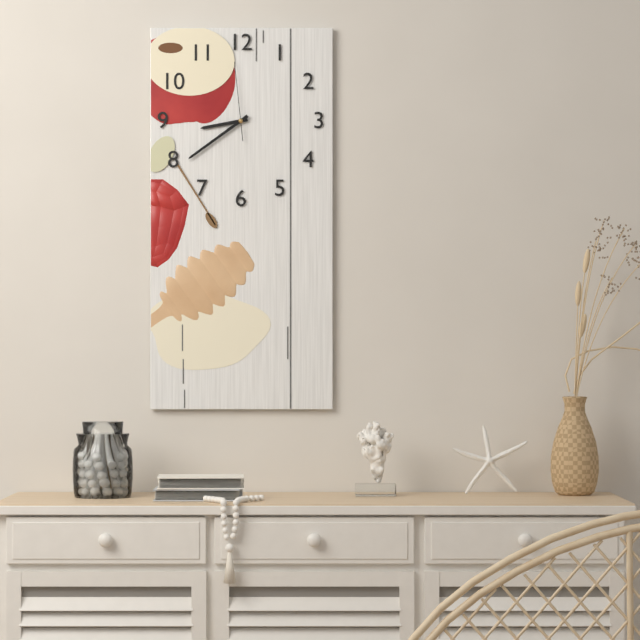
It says 8 h 39 min 59 s
